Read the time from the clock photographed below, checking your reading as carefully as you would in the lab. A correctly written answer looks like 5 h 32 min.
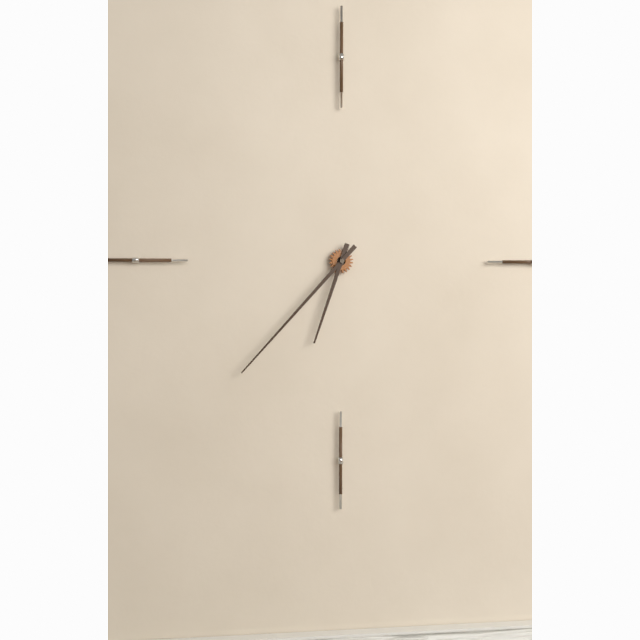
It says 6 h 37 min
